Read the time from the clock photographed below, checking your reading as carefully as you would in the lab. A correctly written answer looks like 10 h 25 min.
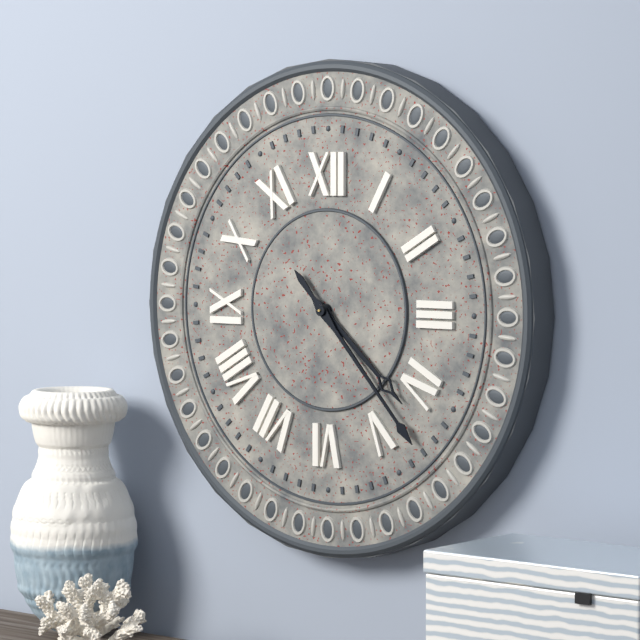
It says 4 h 23 min
